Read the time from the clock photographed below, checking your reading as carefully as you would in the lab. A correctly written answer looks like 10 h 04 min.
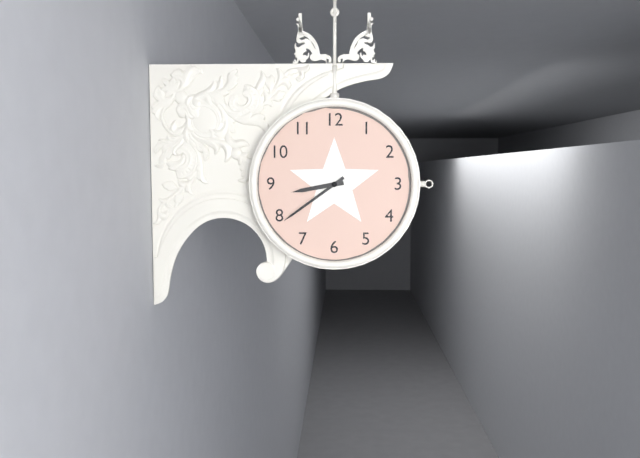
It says 8 h 39 min
